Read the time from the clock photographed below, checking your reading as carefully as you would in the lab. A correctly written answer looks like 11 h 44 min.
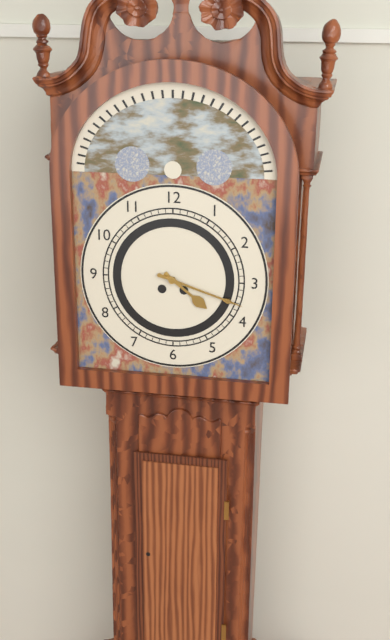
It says 4 h 18 min
